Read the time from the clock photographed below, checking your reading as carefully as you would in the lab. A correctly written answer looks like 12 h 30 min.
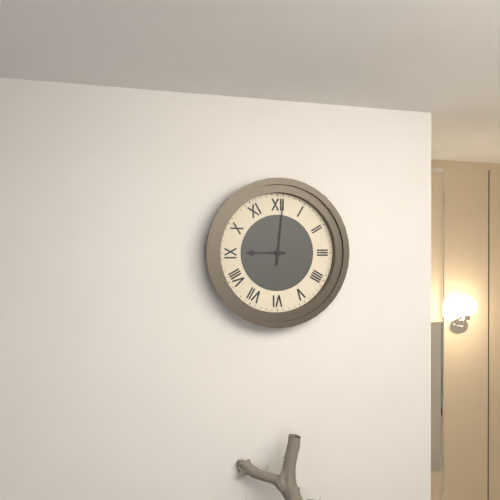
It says 9 h 01 min
